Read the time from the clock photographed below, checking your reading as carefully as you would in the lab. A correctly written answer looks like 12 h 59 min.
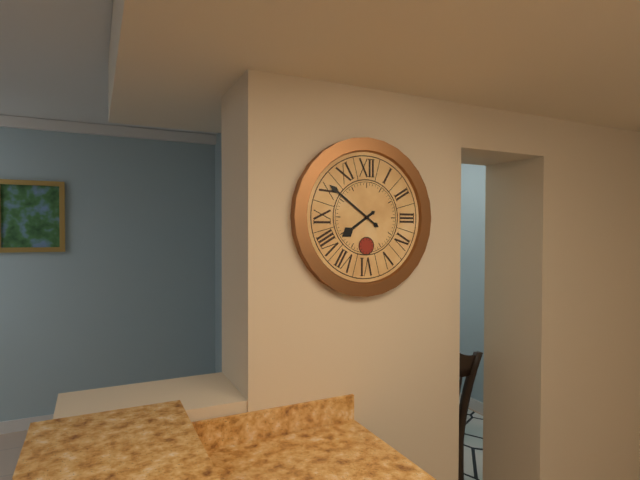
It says 7 h 51 min
